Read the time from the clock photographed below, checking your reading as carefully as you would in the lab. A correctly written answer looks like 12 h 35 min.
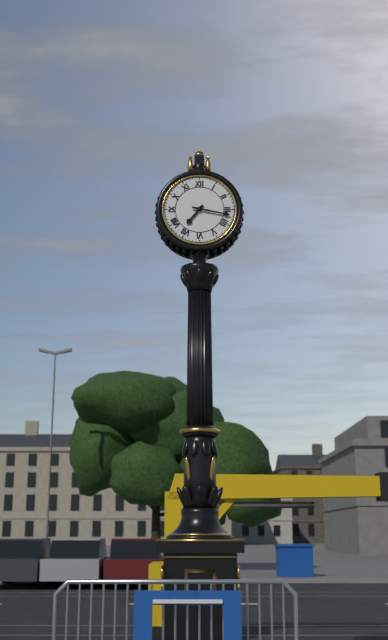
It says 7 h 17 min
